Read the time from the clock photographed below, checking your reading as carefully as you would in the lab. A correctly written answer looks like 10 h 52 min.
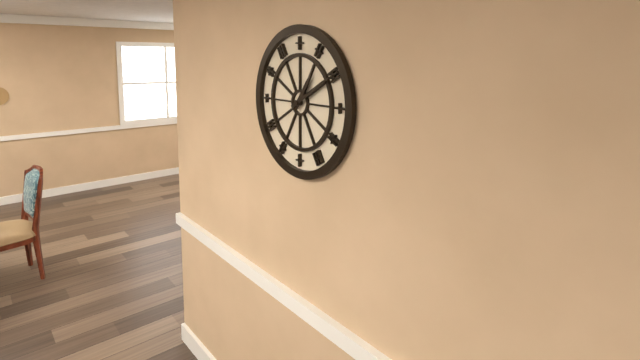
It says 1 h 10 min
